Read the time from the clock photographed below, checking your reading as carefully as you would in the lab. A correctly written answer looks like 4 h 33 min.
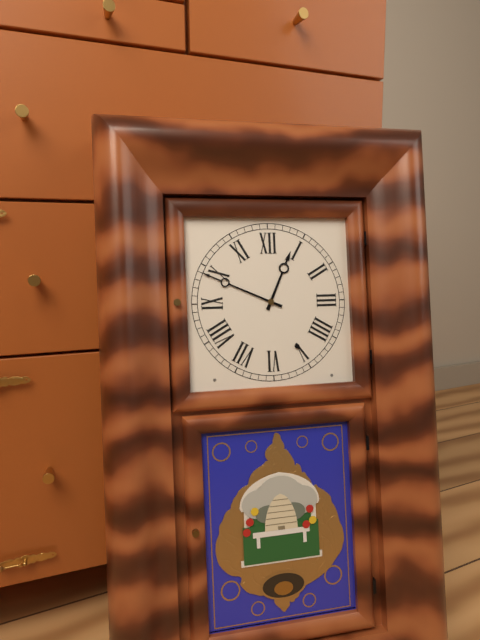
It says 12 h 49 min
